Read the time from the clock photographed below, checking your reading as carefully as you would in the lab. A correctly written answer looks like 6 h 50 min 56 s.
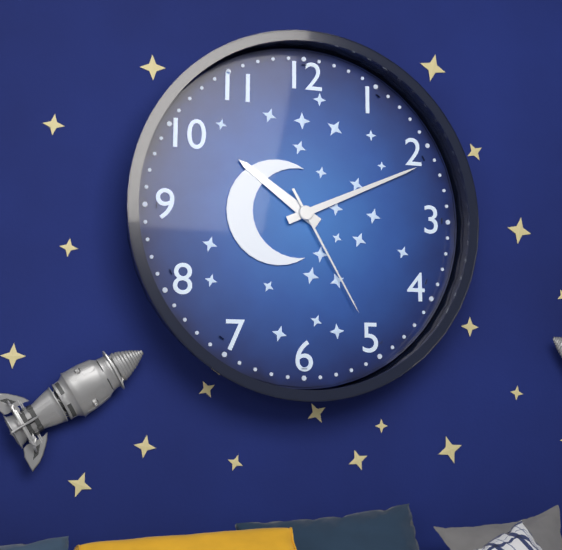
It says 10 h 11 min 25 s
